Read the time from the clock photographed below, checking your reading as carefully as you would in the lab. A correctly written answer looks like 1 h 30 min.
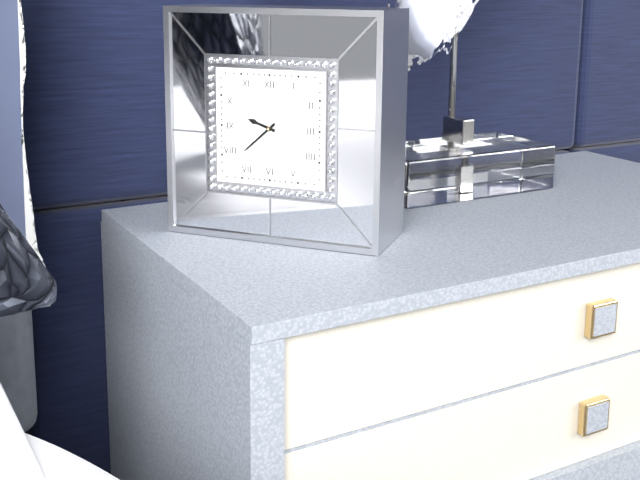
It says 9 h 38 min
